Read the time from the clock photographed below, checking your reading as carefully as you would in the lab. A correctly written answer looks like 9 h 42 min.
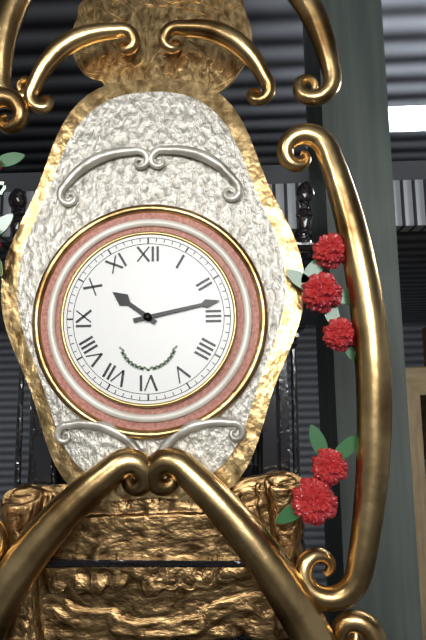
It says 10 h 13 min
